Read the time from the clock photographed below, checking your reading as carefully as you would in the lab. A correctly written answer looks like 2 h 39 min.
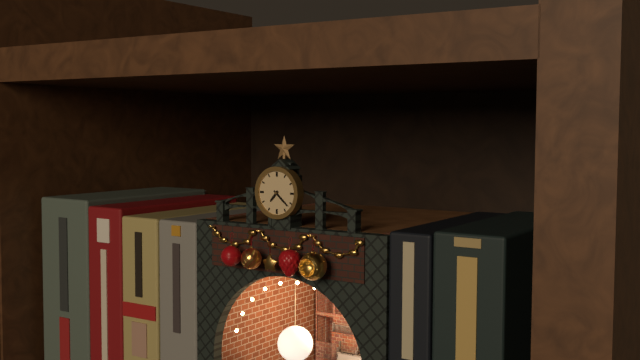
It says 7 h 22 min
